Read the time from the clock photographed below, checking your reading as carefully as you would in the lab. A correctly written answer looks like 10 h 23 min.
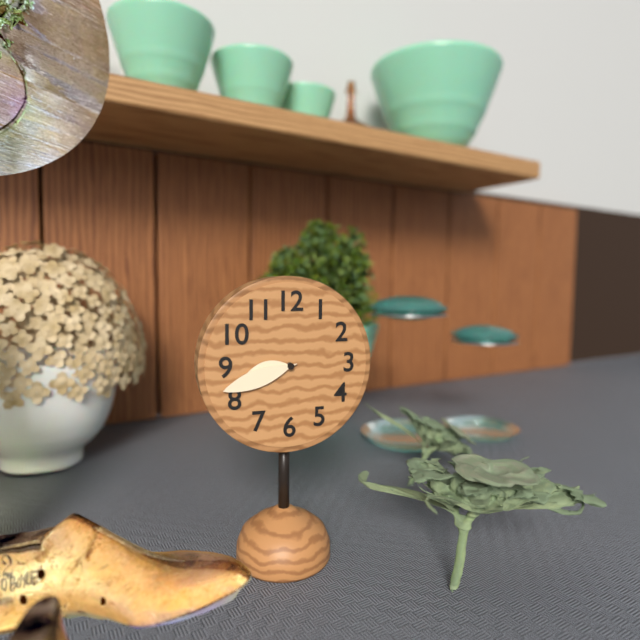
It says 8 h 42 min
